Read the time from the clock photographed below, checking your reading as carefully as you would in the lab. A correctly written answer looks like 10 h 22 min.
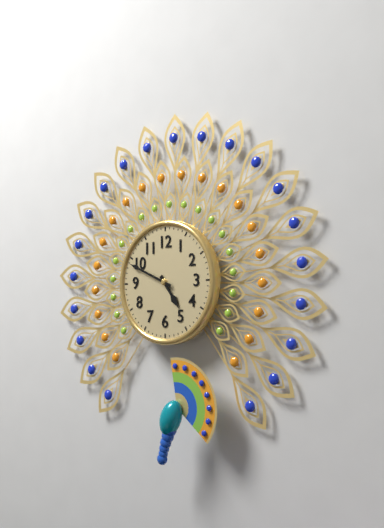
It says 4 h 49 min
